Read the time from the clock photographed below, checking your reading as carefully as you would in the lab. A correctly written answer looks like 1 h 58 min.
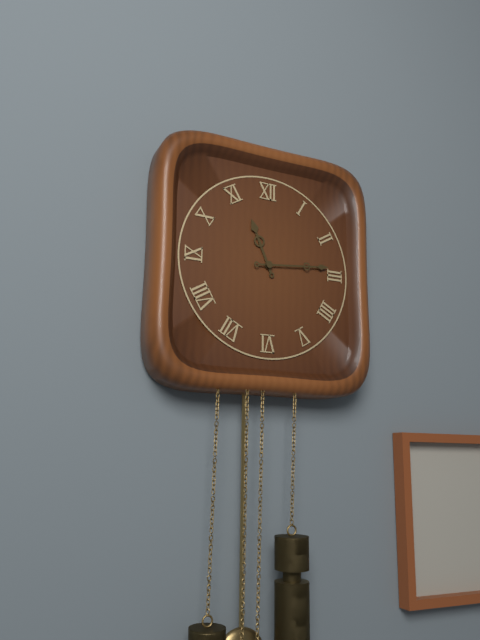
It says 11 h 14 min
